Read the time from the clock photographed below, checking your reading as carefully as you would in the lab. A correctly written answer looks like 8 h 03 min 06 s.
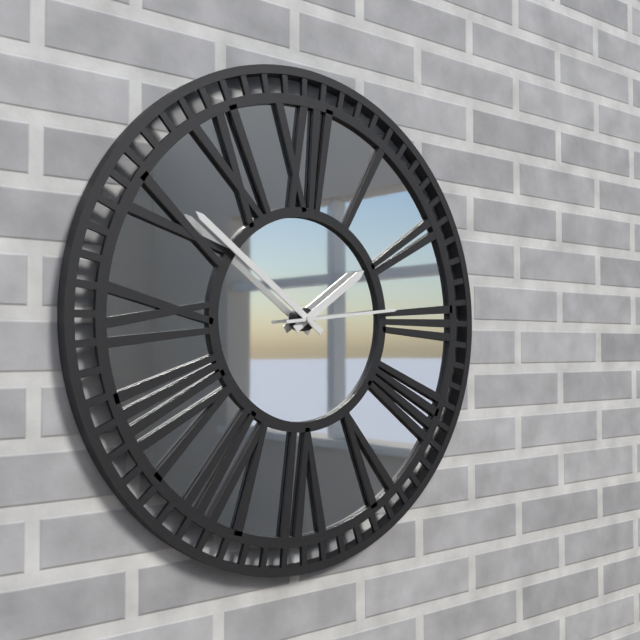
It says 1 h 51 min 14 s
